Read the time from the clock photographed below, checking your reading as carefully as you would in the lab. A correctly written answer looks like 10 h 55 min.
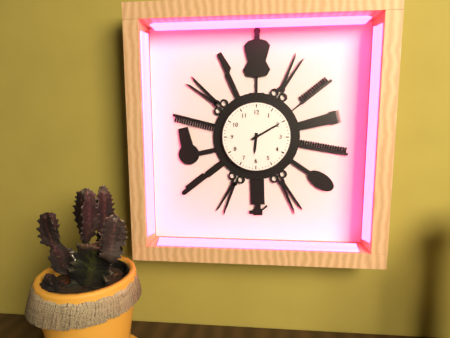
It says 6 h 10 min
